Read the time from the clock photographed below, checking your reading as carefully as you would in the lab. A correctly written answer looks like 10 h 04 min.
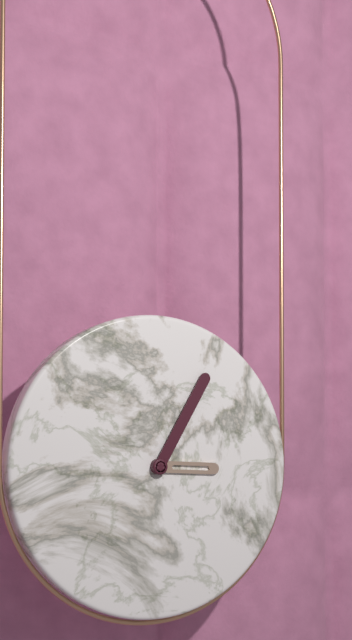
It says 3 h 05 min
